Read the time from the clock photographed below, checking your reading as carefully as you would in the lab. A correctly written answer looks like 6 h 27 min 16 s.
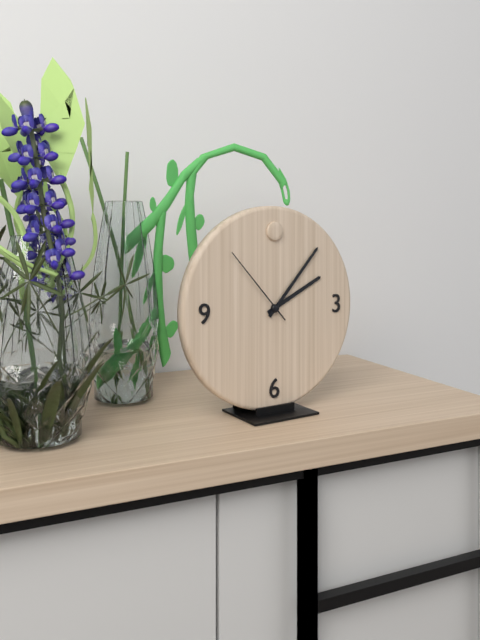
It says 2 h 07 min 53 s
